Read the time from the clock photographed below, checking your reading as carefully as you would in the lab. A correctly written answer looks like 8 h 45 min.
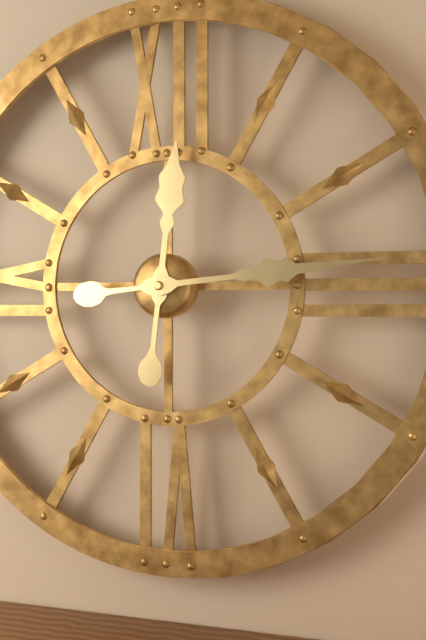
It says 12 h 14 min
